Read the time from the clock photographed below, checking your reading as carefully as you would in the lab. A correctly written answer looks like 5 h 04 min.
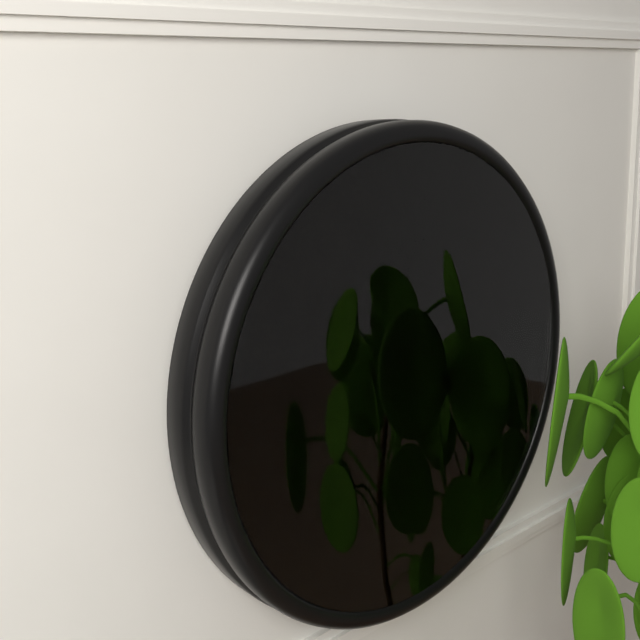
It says 9 h 36 min
